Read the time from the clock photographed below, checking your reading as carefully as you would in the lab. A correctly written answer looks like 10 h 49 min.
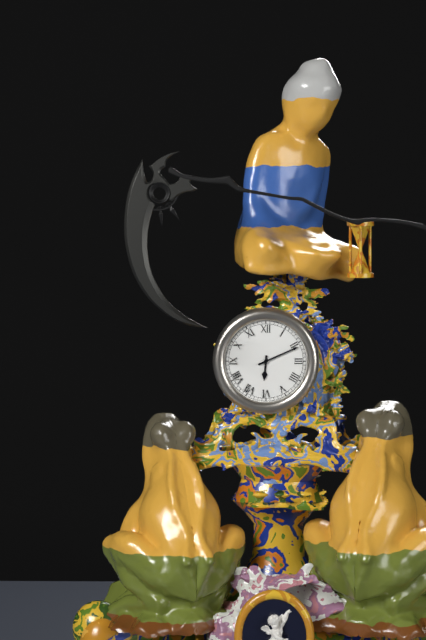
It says 6 h 11 min
